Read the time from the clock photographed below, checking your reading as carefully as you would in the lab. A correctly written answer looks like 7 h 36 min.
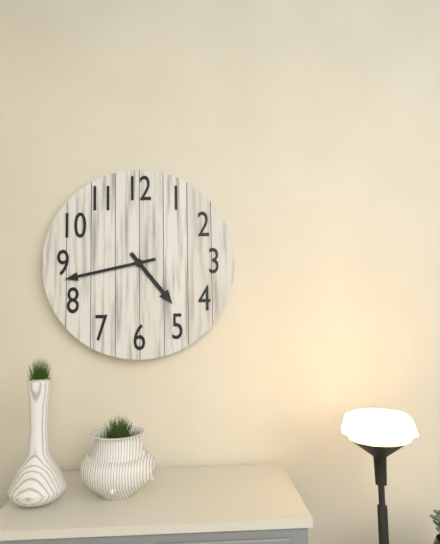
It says 4 h 43 min
